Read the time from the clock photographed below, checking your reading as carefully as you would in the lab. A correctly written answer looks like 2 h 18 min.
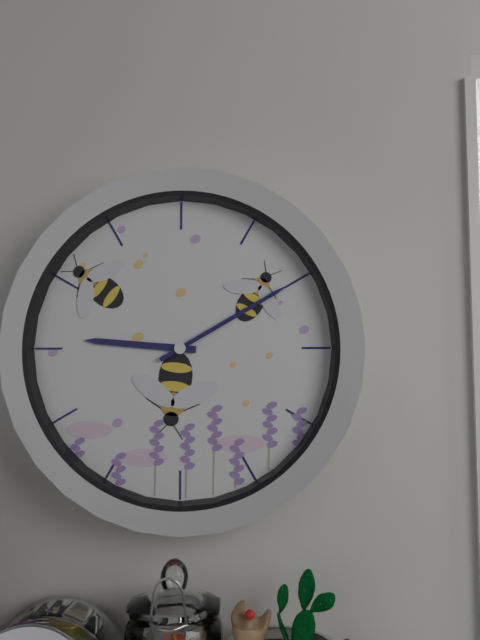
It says 9 h 10 min
